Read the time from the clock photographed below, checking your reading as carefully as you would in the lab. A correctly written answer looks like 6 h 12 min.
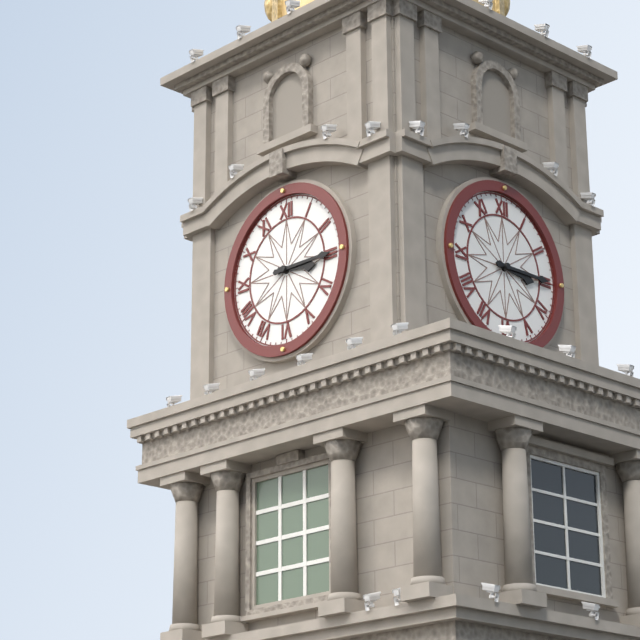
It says 3 h 15 min
